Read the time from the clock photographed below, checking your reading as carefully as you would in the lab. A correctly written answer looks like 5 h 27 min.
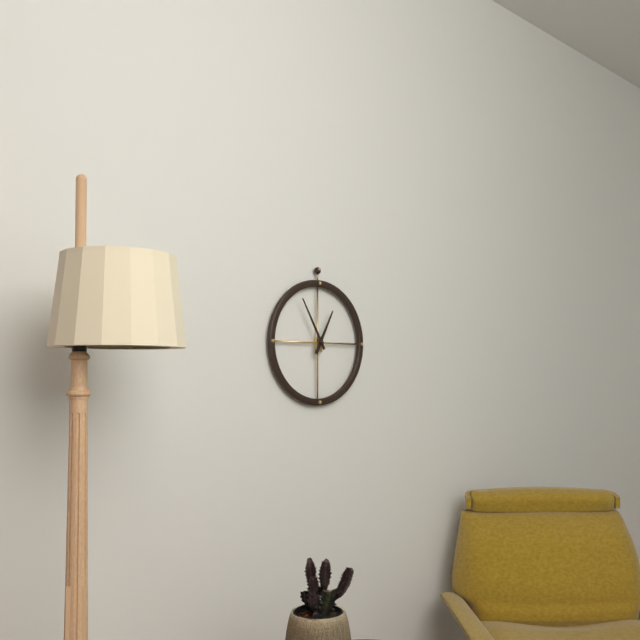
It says 12 h 55 min
